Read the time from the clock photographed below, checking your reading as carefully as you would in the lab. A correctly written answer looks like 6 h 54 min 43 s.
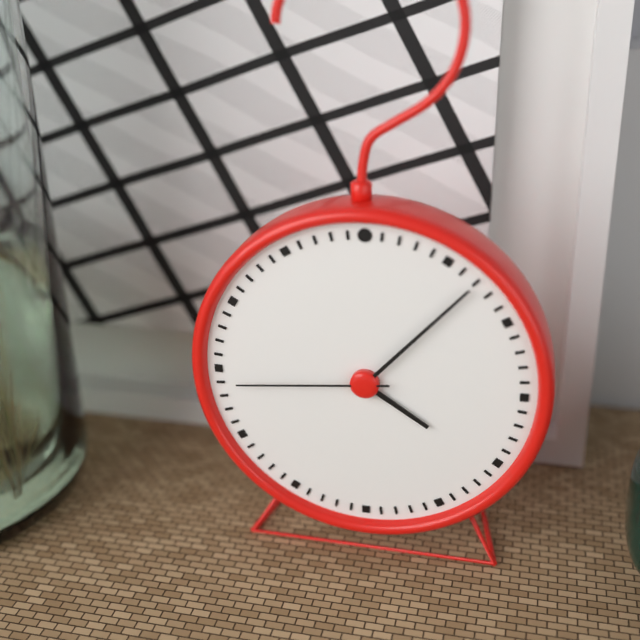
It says 4 h 07 min 44 s
